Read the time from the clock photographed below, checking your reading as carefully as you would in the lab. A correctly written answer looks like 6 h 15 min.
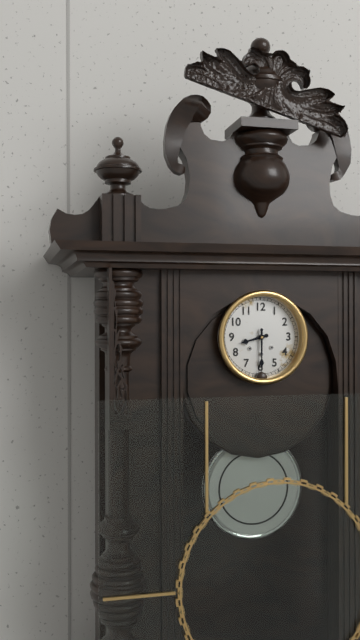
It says 8 h 30 min
